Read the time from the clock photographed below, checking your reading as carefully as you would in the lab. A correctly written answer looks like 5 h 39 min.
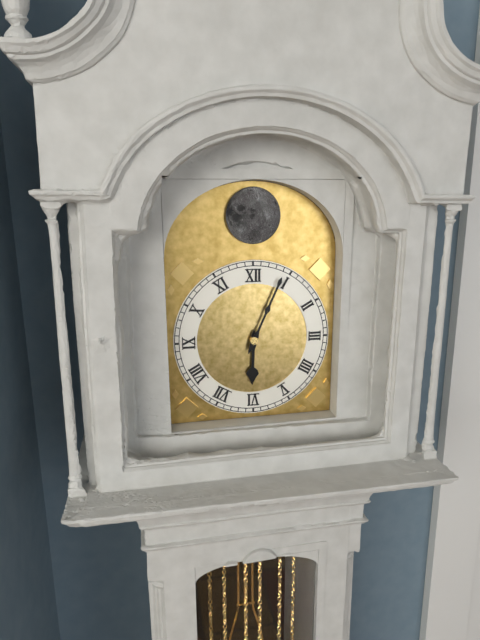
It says 6 h 04 min
